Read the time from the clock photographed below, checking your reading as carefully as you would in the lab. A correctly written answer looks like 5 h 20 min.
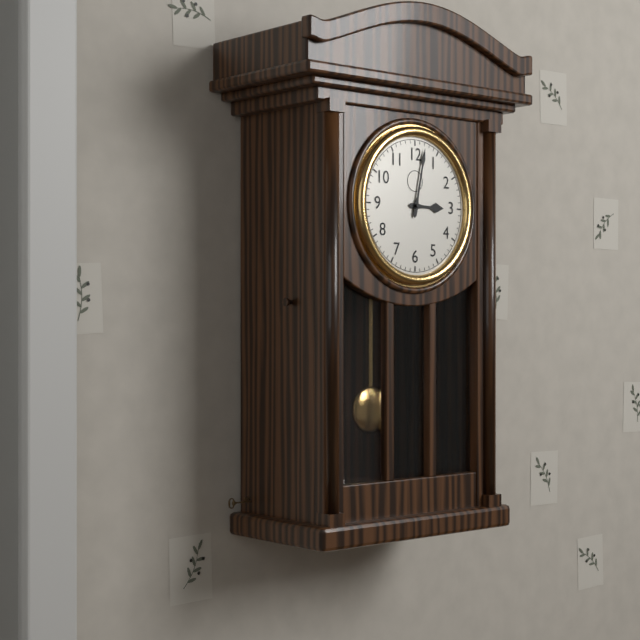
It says 3 h 02 min
